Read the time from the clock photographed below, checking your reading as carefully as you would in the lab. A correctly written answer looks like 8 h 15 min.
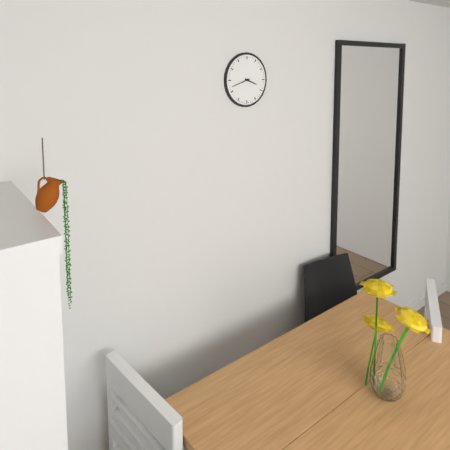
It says 3 h 42 min
